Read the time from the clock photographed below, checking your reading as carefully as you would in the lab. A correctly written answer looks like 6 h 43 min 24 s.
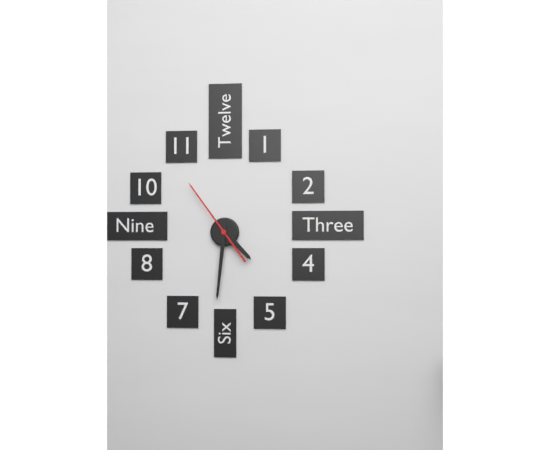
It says 4 h 31 min 54 s
